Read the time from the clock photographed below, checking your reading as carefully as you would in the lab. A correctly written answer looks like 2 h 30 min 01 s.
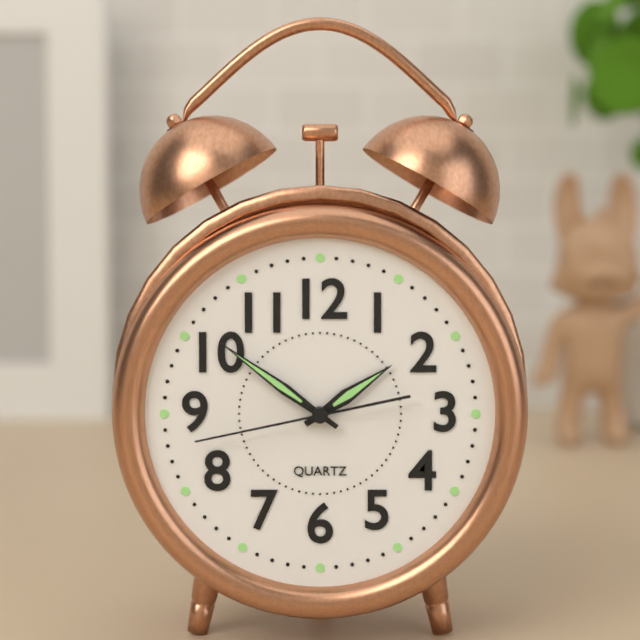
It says 1 h 51 min 43 s
